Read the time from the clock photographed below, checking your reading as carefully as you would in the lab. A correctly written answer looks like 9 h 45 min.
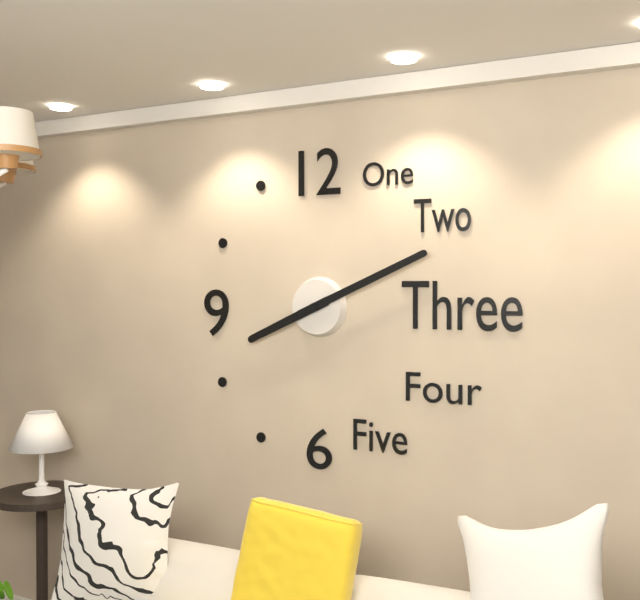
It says 8 h 11 min
